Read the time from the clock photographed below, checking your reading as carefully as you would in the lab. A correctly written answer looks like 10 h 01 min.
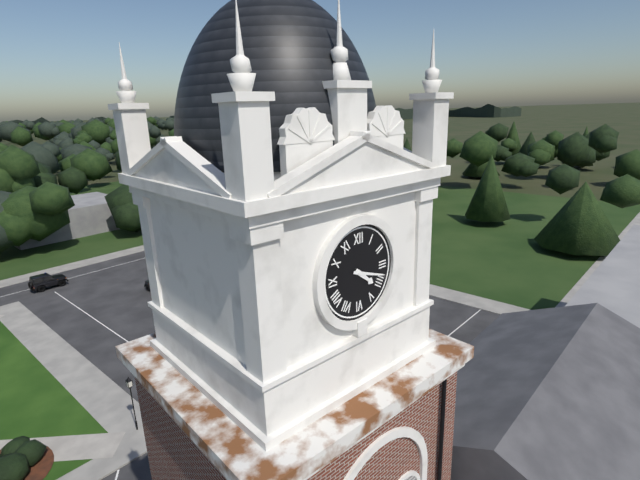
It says 4 h 18 min
